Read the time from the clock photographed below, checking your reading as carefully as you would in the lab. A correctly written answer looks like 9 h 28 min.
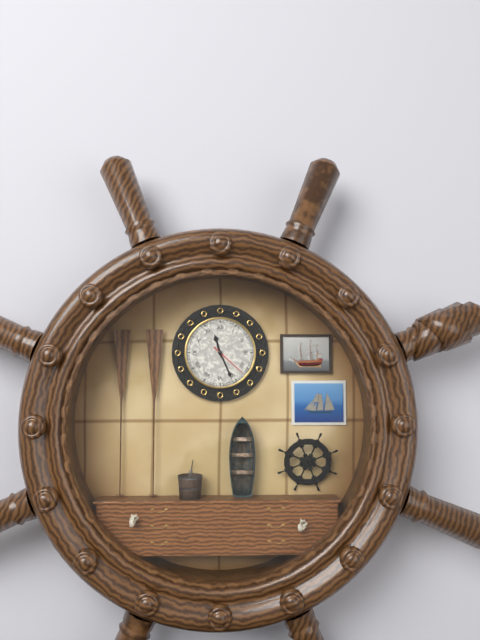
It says 11 h 26 min
